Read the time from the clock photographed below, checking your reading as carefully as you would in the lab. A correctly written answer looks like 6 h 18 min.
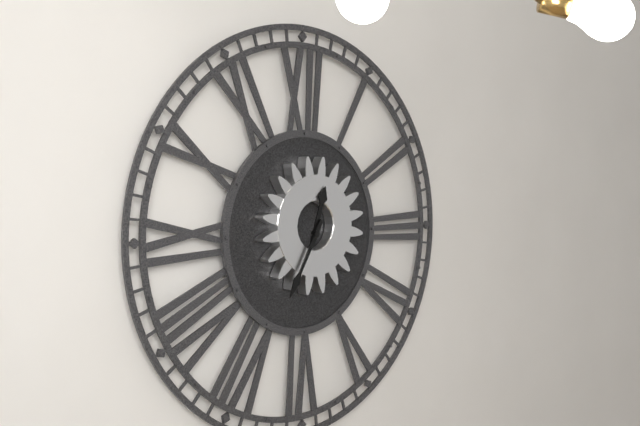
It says 12 h 35 min
